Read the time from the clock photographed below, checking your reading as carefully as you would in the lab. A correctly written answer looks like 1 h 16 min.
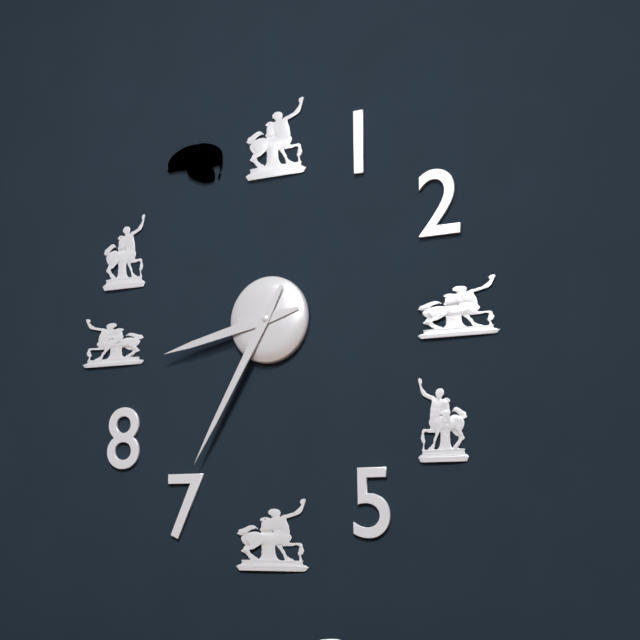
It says 8 h 35 min
